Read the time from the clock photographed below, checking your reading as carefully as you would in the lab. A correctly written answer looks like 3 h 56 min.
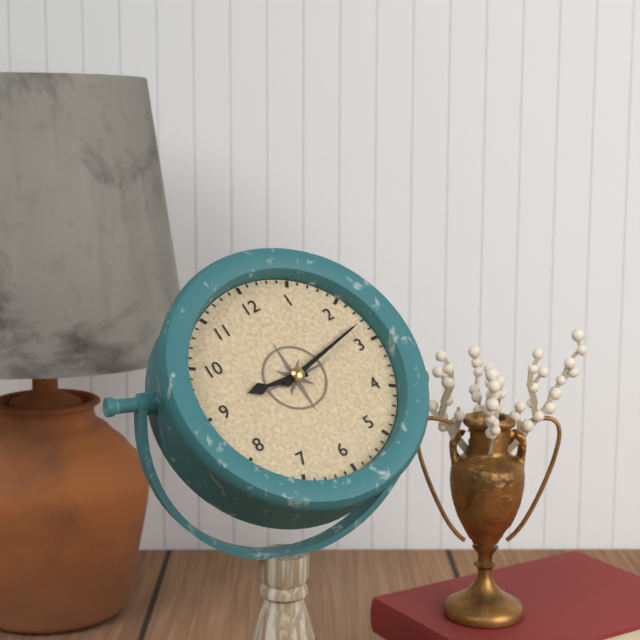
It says 9 h 13 min
